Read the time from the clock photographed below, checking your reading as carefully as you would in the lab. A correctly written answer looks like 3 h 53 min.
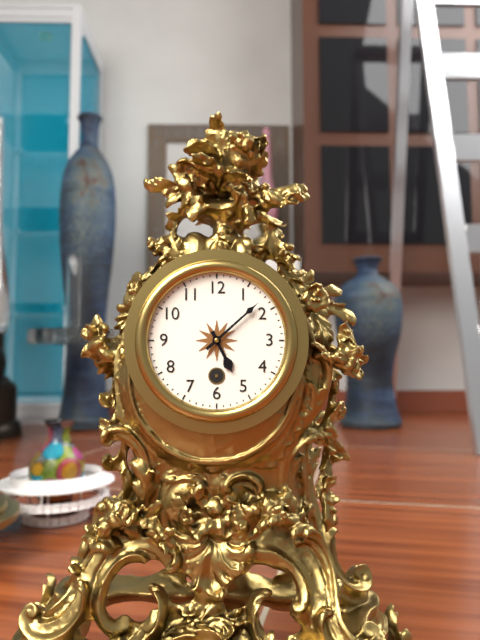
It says 5 h 08 min
